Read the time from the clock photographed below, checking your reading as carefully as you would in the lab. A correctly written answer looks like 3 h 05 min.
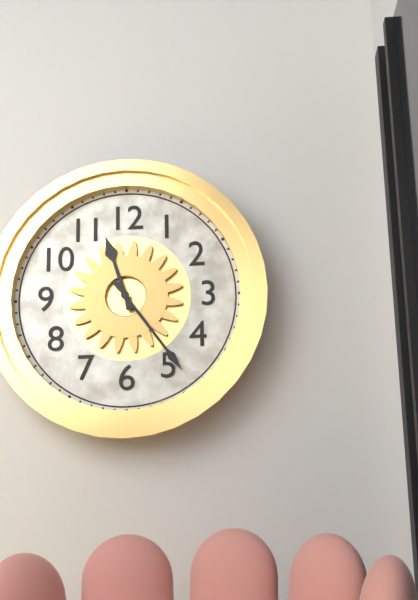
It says 11 h 24 min
